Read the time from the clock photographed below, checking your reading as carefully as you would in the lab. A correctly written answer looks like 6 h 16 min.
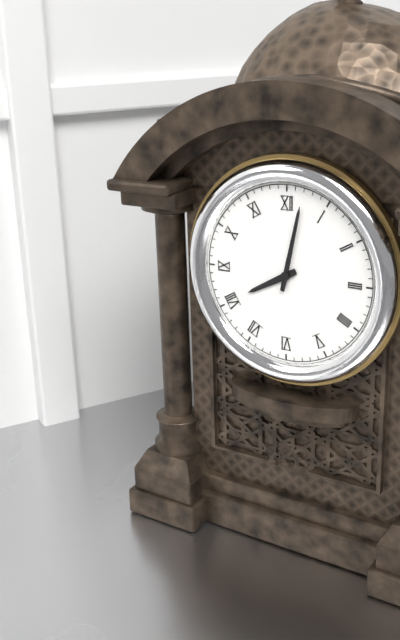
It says 8 h 02 min
